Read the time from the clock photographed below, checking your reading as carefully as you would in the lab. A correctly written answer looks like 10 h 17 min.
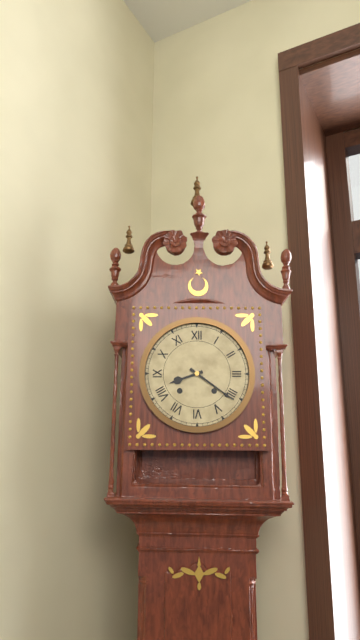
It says 8 h 21 min
